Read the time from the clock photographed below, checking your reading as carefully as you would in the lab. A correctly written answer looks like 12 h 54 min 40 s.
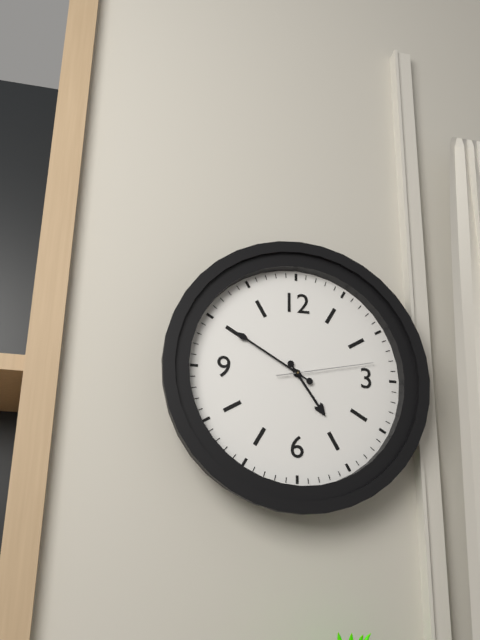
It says 4 h 50 min 13 s
